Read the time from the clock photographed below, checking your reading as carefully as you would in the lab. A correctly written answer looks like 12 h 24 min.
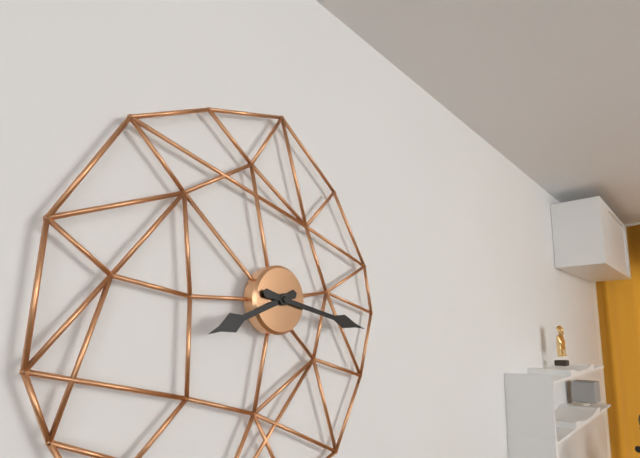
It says 8 h 17 min
